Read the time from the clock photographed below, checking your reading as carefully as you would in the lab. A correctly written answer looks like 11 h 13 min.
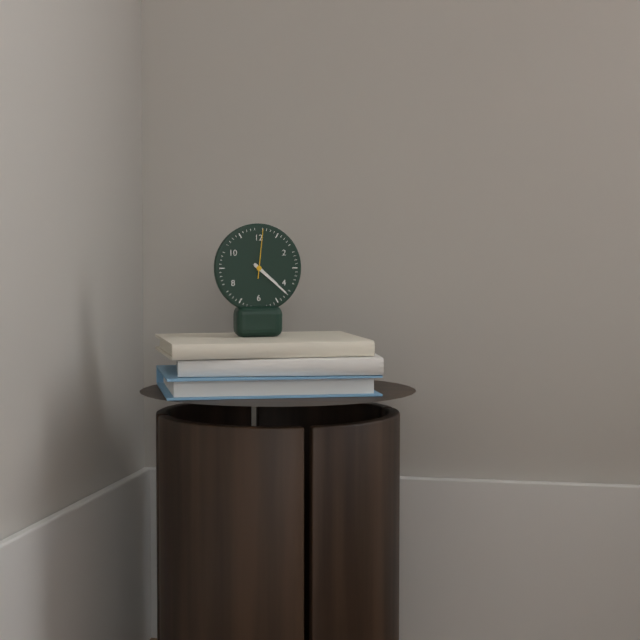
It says 4 h 22 min
